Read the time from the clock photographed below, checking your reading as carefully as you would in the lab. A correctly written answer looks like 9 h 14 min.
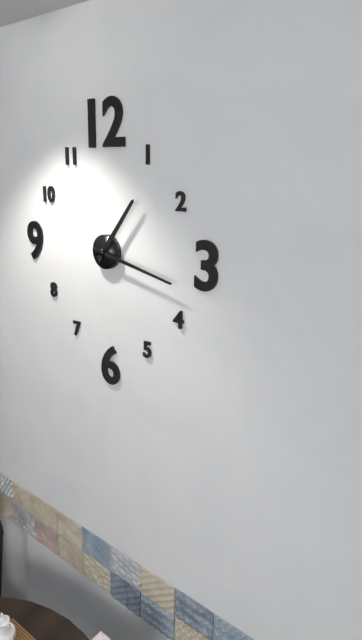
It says 1 h 17 min
